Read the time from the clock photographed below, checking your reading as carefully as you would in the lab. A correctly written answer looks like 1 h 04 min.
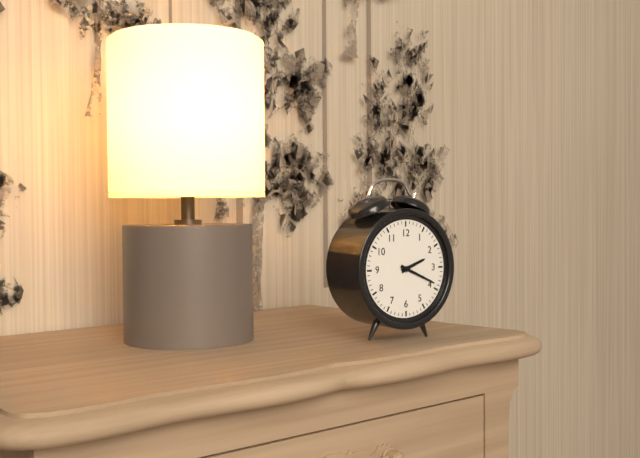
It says 2 h 19 min
